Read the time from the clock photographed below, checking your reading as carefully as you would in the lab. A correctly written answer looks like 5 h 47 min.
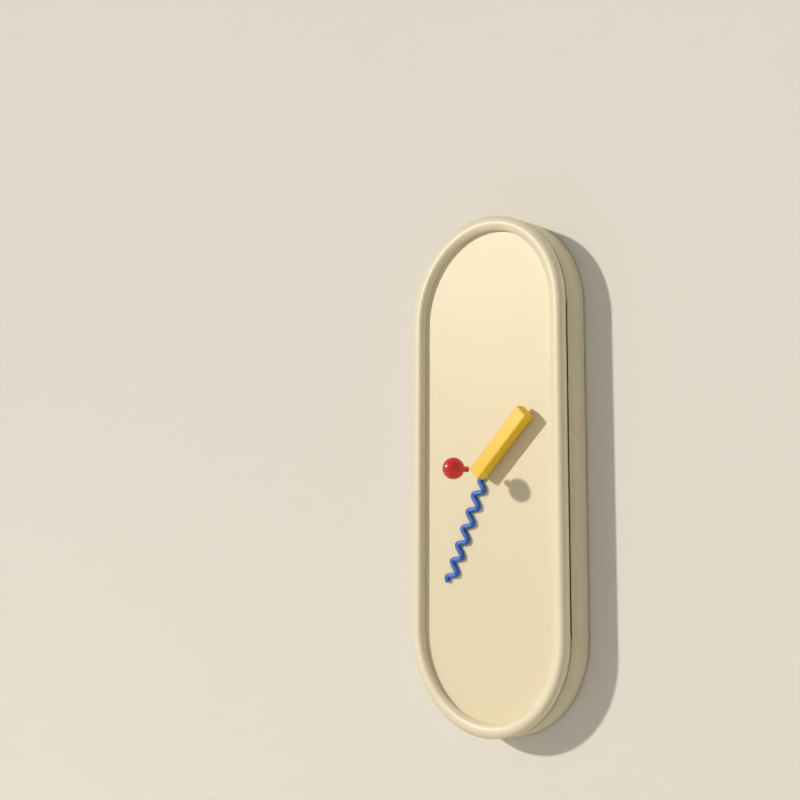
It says 1 h 34 min
